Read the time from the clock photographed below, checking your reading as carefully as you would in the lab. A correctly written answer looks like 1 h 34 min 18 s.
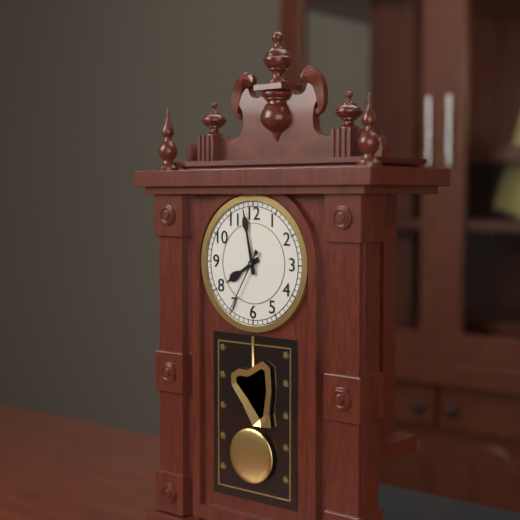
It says 7 h 58 min 35 s
